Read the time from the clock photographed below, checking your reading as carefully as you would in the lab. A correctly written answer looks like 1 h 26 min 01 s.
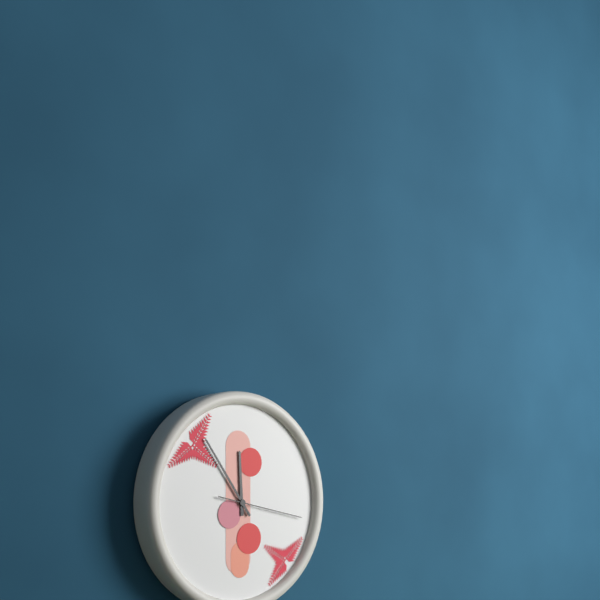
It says 11 h 54 min 17 s
